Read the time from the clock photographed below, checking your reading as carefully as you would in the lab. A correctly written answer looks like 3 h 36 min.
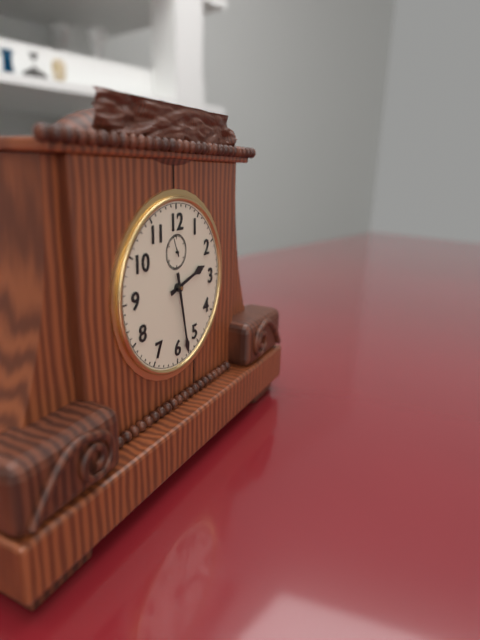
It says 2 h 28 min
